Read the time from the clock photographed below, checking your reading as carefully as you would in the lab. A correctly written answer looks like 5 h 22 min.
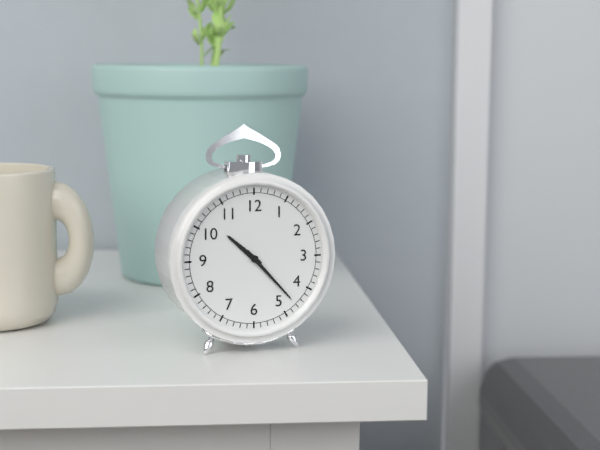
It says 10 h 23 min
